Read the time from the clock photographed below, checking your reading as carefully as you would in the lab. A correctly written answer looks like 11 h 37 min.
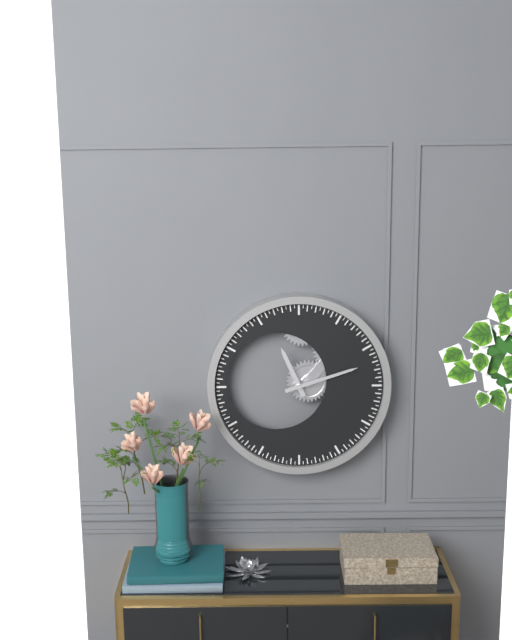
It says 11 h 12 min
